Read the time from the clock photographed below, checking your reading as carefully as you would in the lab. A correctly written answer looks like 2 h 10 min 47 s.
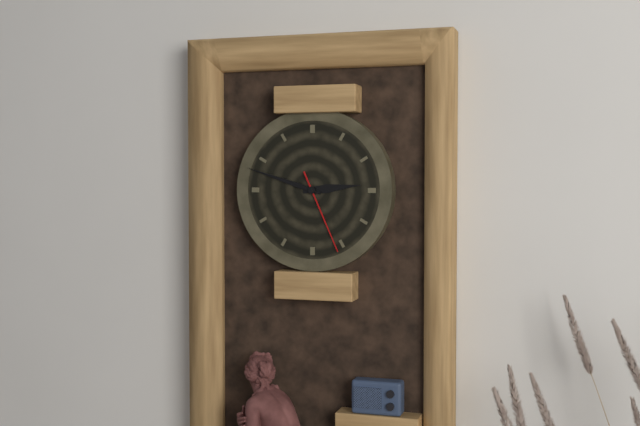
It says 2 h 48 min 26 s
